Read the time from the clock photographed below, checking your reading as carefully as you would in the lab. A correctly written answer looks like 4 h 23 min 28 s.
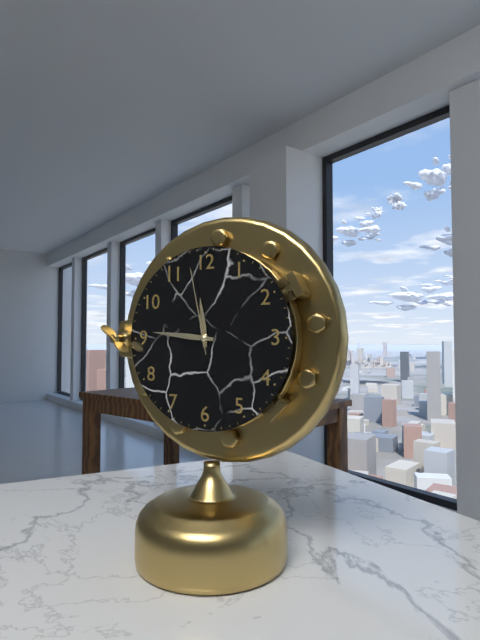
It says 11 h 46 min 58 s
